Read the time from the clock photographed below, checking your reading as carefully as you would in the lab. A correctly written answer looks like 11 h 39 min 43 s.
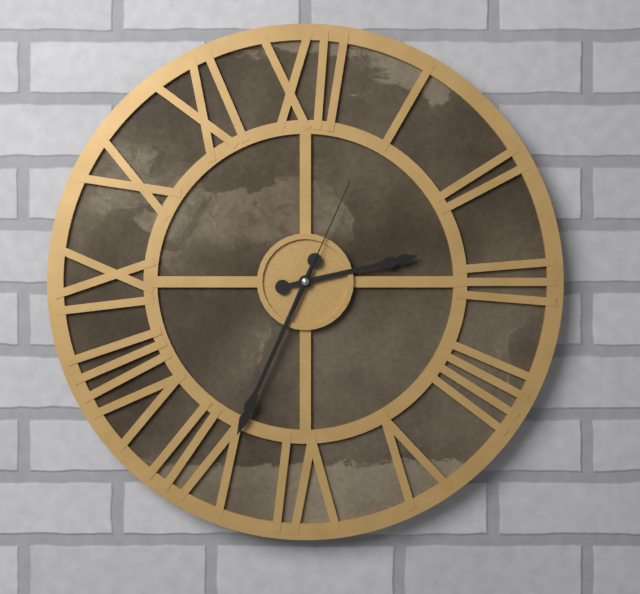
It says 2 h 34 min 04 s
